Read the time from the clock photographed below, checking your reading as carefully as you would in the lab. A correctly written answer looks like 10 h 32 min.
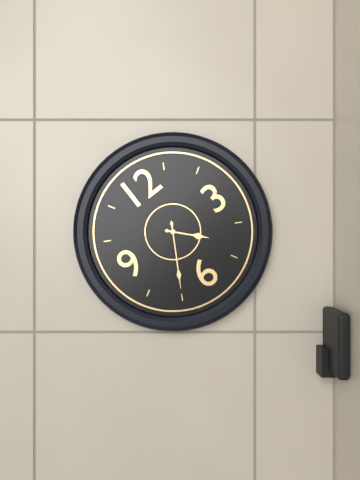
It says 4 h 35 min
